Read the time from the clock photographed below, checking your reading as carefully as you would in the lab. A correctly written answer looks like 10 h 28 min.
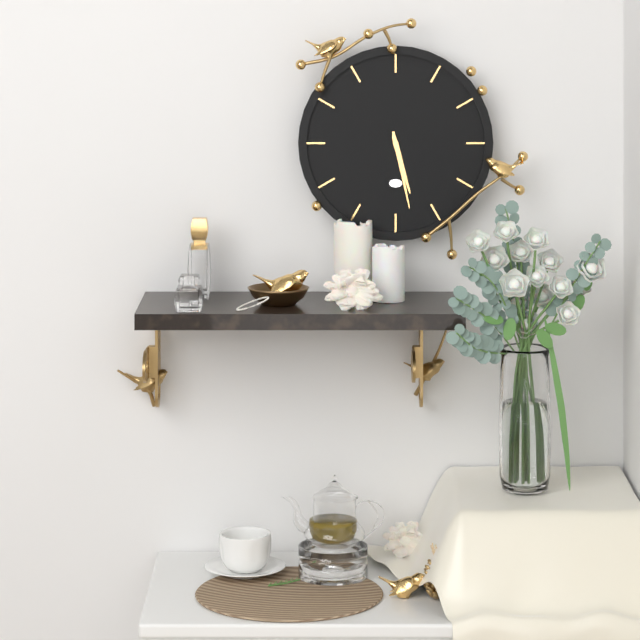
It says 5 h 28 min
